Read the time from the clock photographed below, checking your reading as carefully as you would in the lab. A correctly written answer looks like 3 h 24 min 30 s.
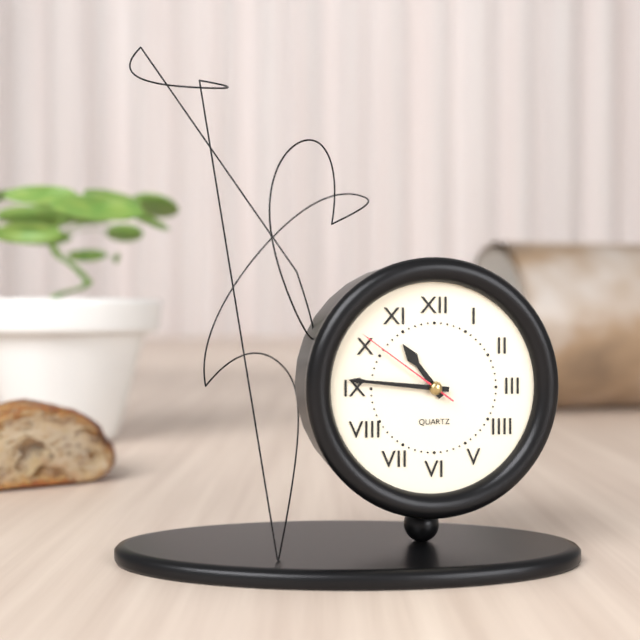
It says 10 h 46 min 51 s
